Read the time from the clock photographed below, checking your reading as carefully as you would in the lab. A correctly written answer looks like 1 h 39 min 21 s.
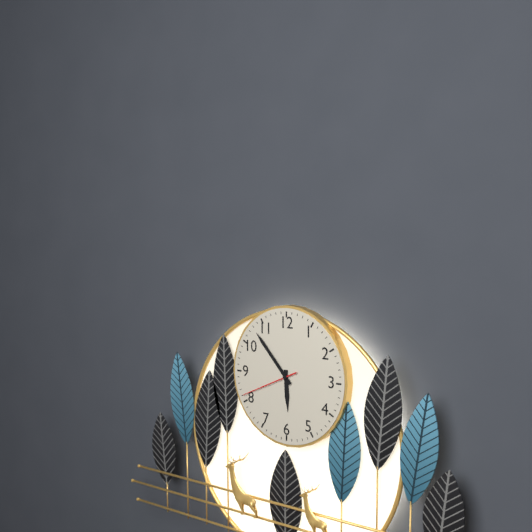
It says 5 h 53 min 41 s
